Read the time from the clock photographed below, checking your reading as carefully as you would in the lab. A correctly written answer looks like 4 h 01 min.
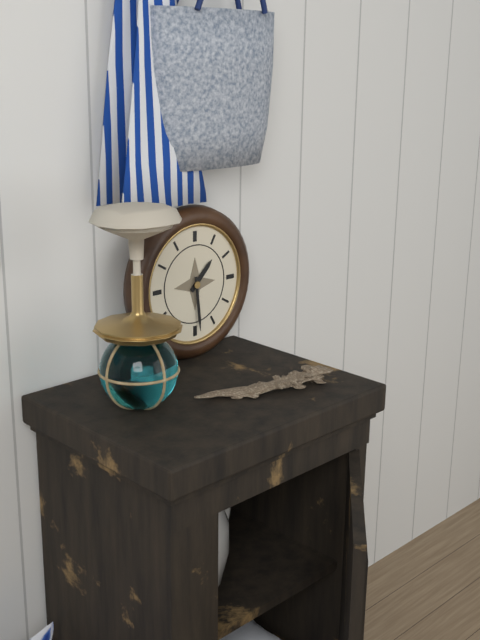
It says 1 h 29 min
